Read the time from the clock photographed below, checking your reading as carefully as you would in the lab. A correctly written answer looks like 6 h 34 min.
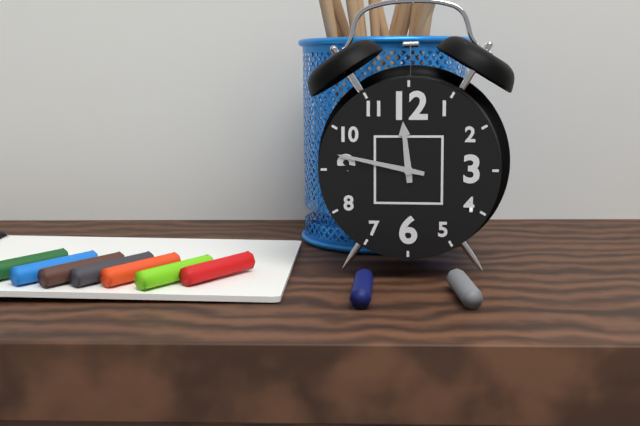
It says 11 h 47 min
